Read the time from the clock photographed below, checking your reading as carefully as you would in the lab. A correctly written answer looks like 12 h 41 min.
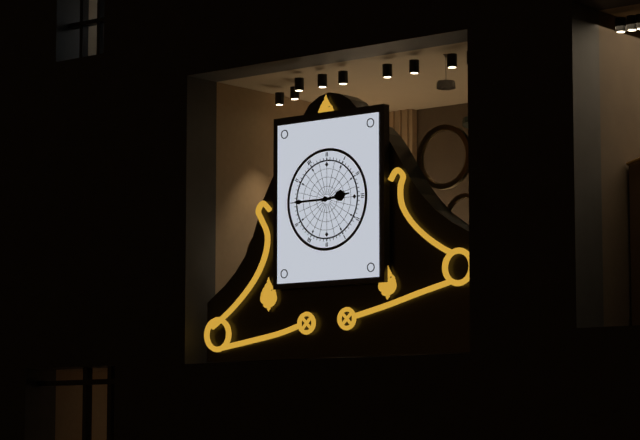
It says 2 h 45 min
